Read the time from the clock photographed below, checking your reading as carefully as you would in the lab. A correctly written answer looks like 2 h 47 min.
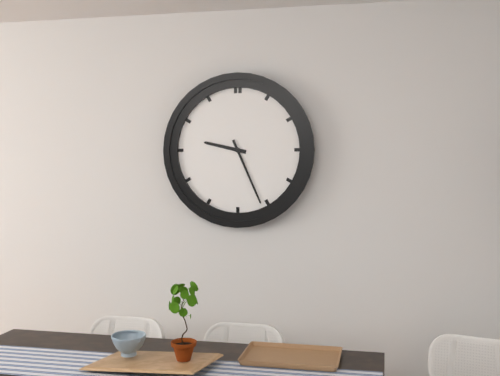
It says 9 h 26 min
